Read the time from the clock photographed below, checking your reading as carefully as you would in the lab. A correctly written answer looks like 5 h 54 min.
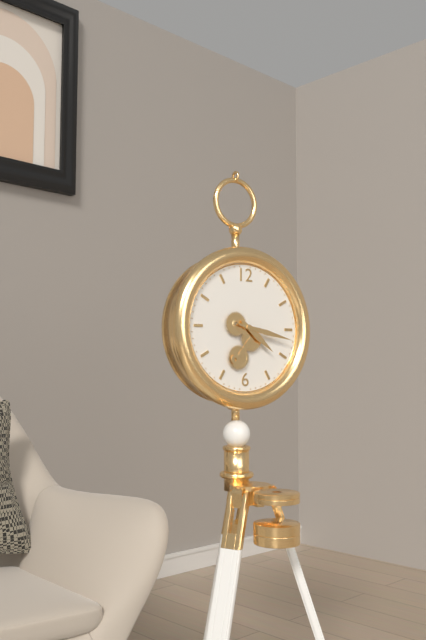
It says 4 h 17 min
